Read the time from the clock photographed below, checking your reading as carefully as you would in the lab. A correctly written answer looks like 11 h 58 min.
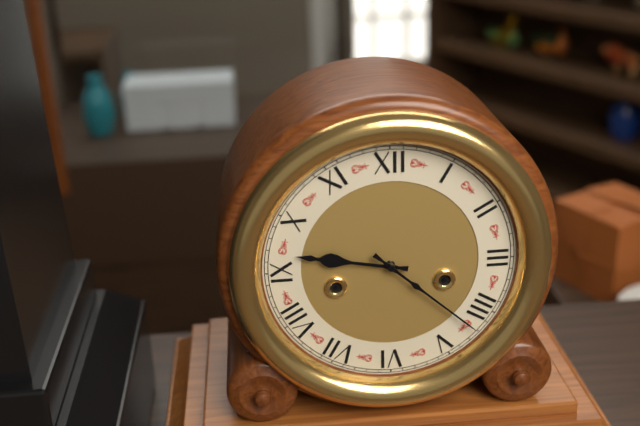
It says 9 h 22 min
